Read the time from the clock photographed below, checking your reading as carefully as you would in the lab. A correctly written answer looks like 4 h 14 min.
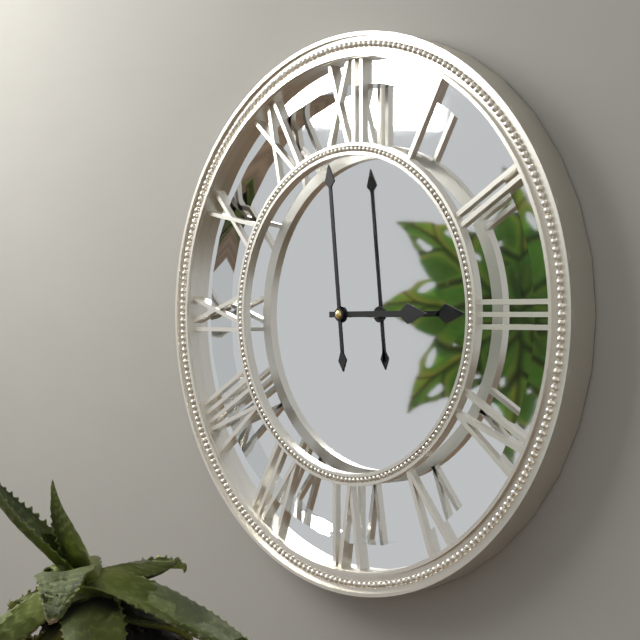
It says 2 h 59 min
